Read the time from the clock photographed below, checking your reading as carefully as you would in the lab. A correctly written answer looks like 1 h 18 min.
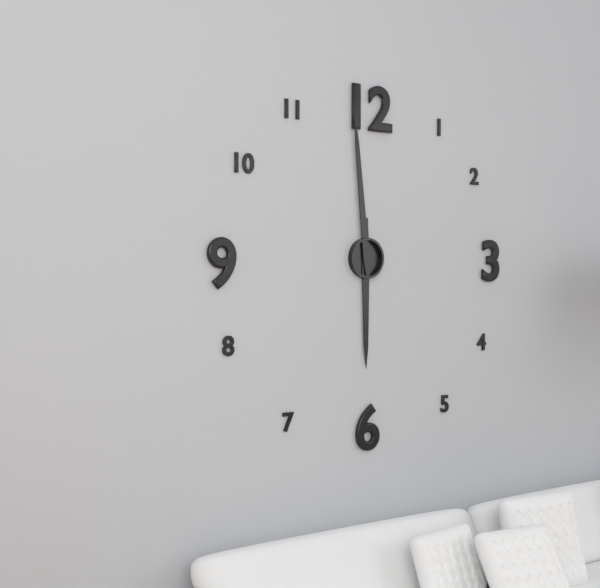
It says 5 h 59 min
